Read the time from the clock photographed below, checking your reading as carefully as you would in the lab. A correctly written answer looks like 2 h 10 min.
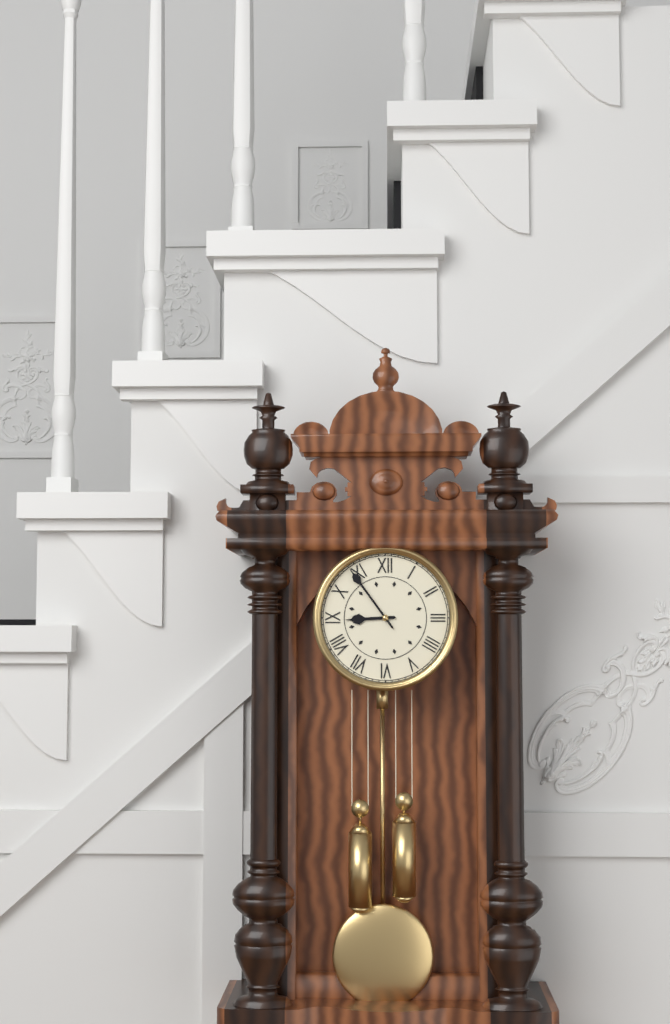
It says 8 h 54 min
